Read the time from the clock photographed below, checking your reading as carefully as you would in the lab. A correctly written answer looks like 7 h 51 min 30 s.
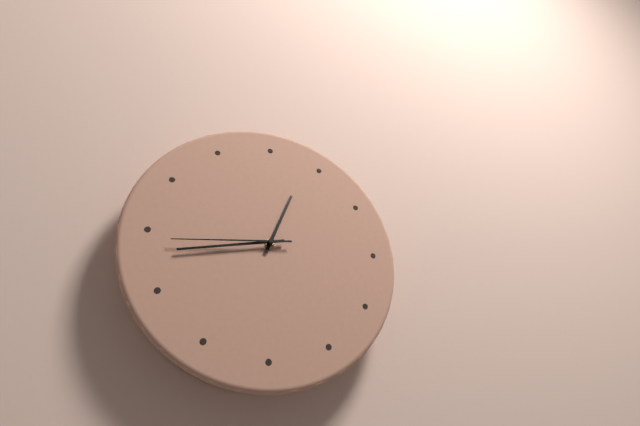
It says 12 h 43 min 44 s
